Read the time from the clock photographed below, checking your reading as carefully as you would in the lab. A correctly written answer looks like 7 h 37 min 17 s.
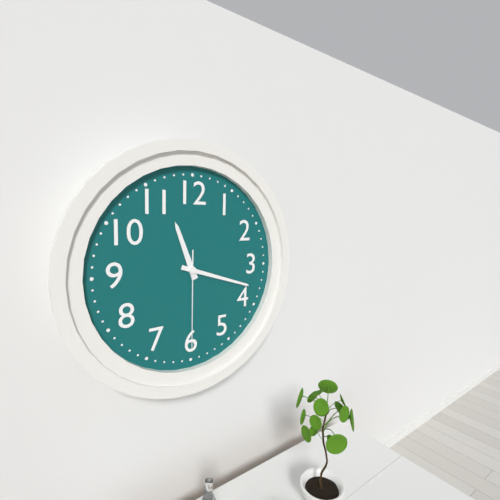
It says 11 h 18 min 30 s
